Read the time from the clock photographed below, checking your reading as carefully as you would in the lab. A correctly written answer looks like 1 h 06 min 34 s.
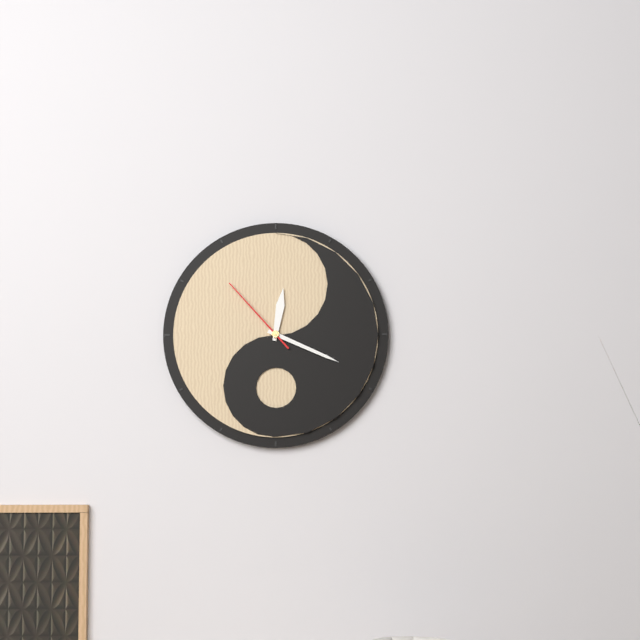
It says 12 h 19 min 53 s
